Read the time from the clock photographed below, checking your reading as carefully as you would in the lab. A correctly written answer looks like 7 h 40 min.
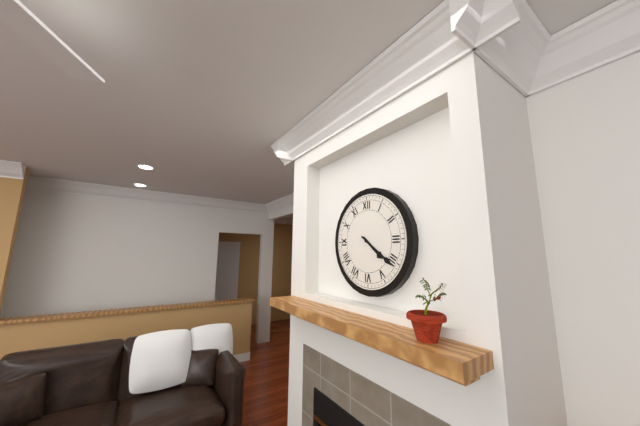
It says 4 h 21 min
